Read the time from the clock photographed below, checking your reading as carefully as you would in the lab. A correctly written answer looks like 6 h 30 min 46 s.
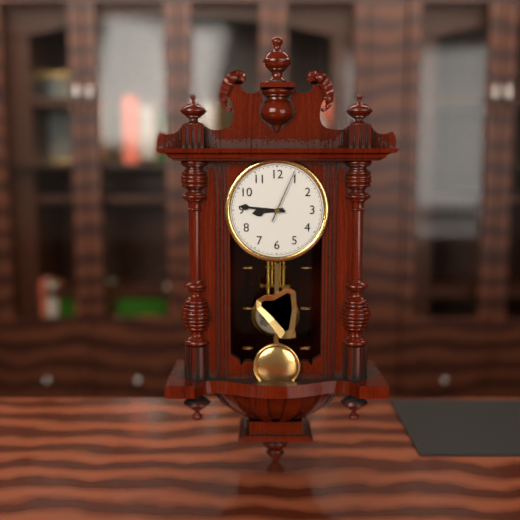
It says 8 h 46 min 04 s
